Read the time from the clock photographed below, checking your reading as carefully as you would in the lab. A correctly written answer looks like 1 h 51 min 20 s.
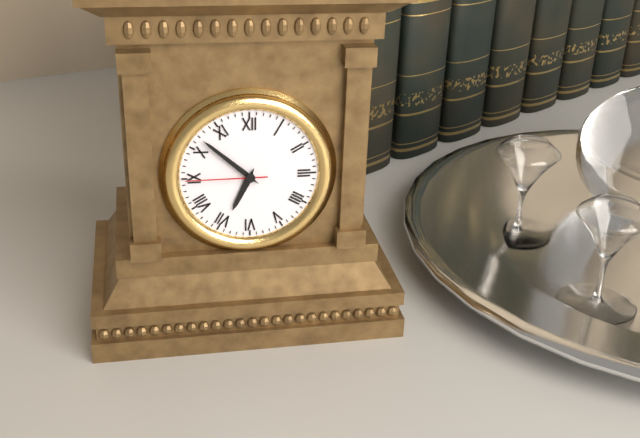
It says 6 h 52 min 45 s
